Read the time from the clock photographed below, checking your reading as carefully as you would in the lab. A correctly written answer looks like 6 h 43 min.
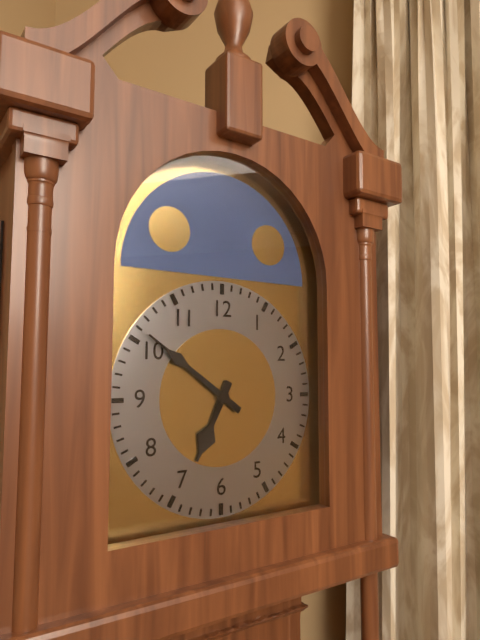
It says 6 h 51 min
